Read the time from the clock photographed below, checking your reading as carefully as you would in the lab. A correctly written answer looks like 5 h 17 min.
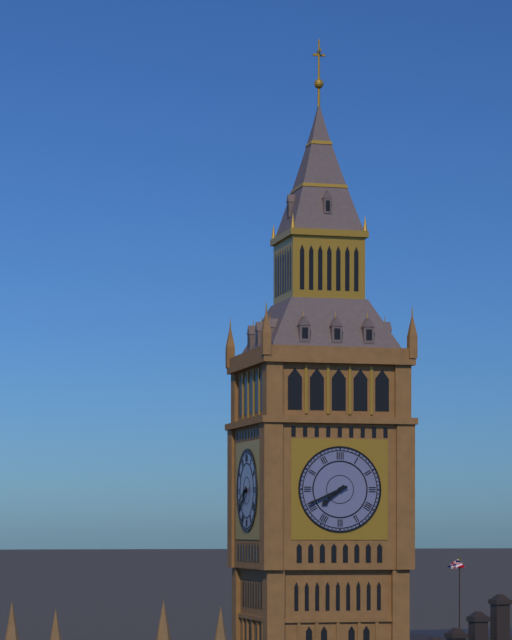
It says 7 h 41 min
